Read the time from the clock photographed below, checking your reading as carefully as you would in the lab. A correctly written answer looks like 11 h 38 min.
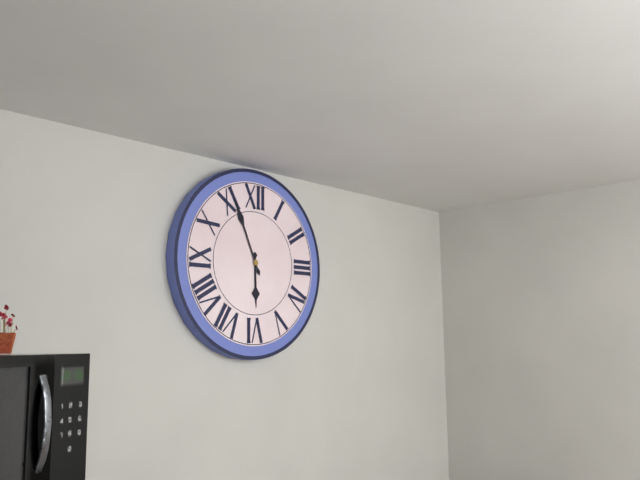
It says 5 h 56 min
